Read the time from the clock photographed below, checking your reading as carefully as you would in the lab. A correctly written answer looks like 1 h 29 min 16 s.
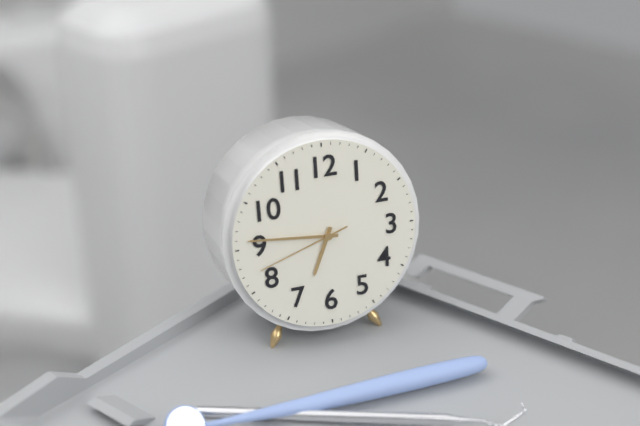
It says 6 h 46 min 42 s
